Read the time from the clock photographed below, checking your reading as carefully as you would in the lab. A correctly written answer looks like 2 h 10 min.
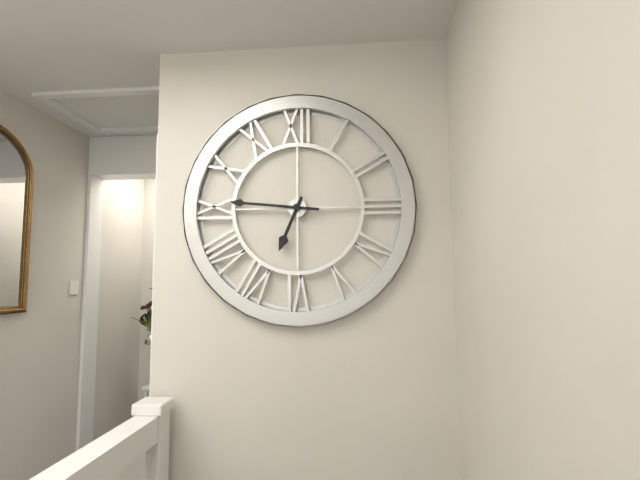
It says 6 h 46 min
